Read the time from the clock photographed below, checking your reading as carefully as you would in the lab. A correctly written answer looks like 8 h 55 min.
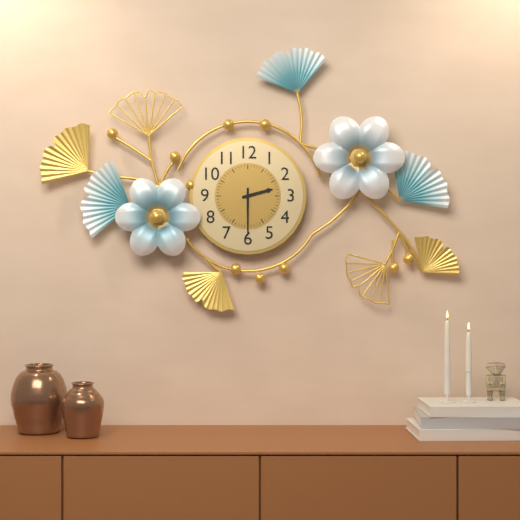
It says 2 h 30 min
